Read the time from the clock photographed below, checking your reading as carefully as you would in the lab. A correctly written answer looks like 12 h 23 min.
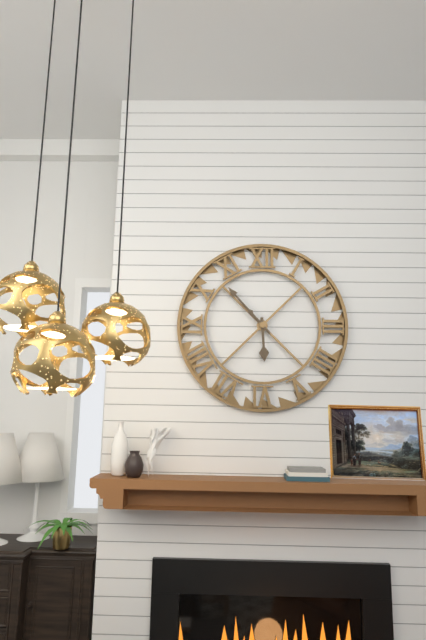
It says 5 h 53 min
